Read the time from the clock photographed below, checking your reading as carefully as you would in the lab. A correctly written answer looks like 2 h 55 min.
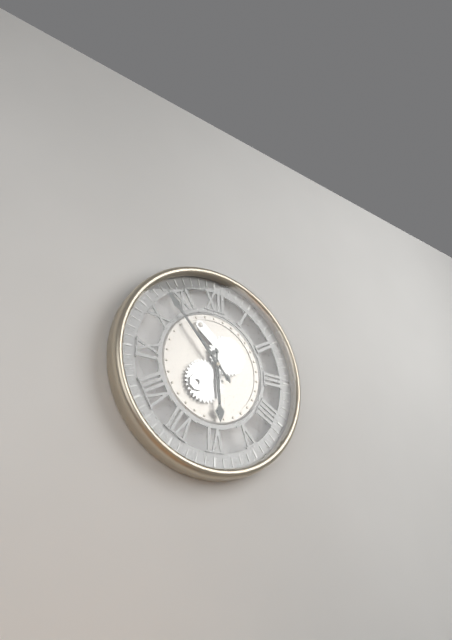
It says 5 h 53 min
